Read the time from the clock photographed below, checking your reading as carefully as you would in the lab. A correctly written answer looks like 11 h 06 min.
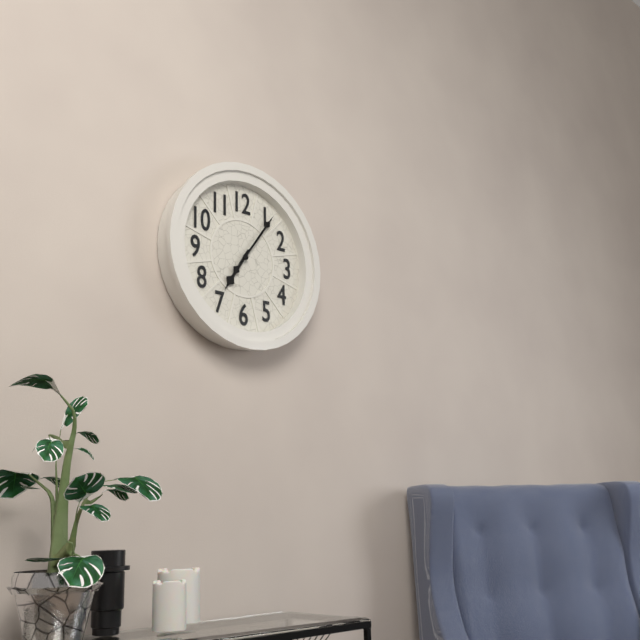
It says 7 h 06 min
